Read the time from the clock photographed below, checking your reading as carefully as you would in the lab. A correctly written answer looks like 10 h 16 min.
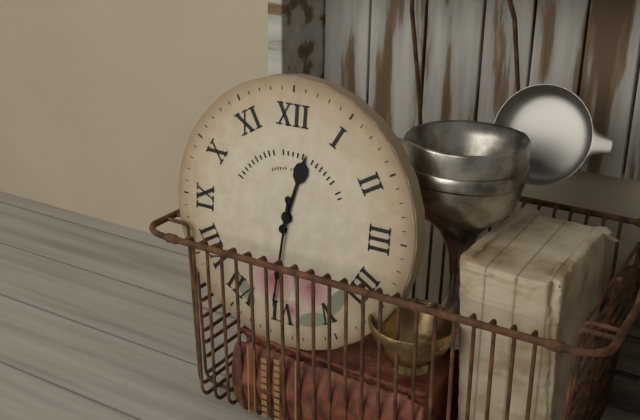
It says 12 h 31 min
